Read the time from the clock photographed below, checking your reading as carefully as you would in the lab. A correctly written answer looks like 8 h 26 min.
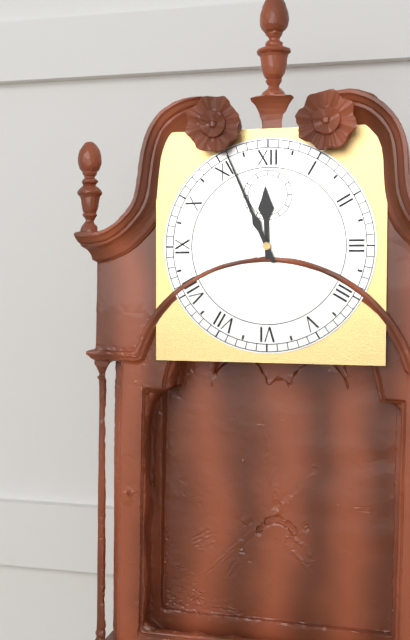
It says 11 h 56 min
